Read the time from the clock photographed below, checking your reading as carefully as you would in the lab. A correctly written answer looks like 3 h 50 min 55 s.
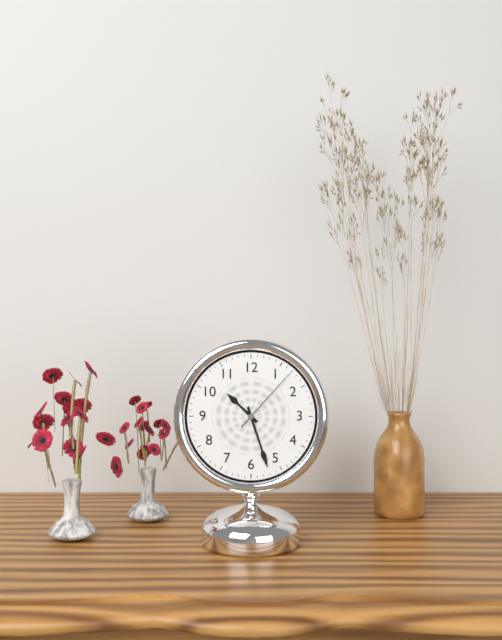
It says 10 h 27 min 07 s
